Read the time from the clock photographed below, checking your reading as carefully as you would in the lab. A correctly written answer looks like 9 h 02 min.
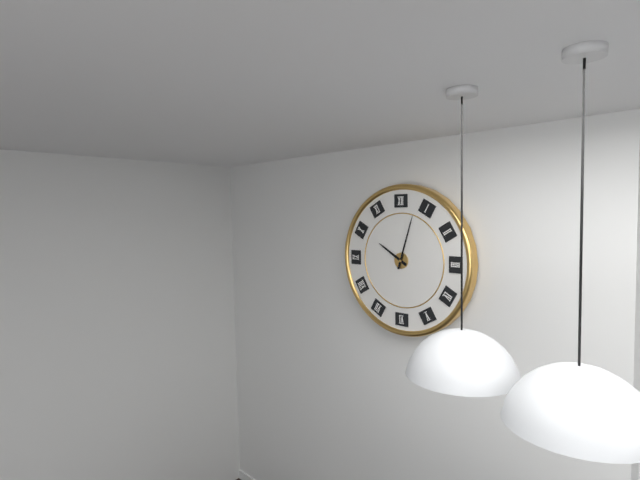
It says 10 h 03 min
